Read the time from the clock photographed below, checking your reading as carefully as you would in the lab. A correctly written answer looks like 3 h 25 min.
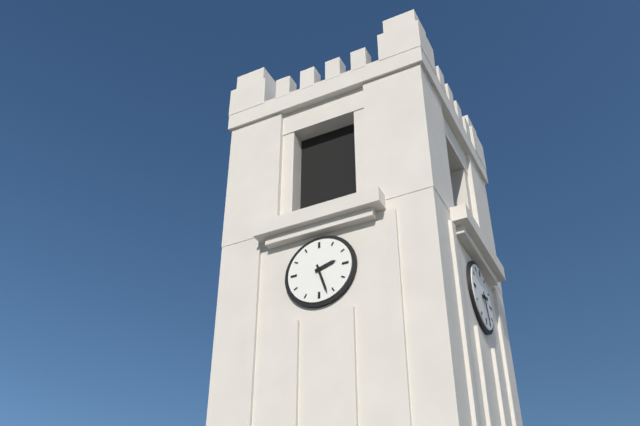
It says 2 h 27 min
